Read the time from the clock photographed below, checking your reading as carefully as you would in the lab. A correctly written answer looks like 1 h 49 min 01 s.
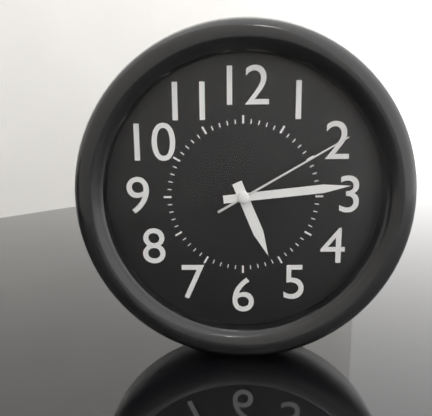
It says 5 h 14 min 10 s
